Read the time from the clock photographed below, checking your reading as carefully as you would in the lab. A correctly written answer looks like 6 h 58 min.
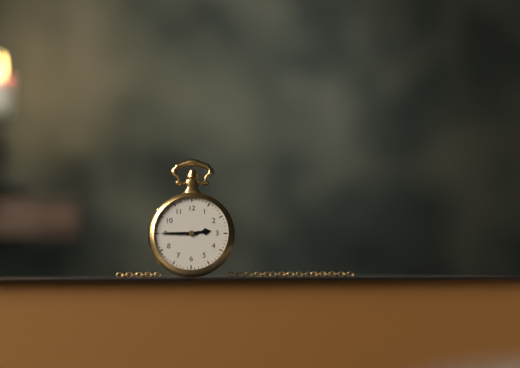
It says 2 h 45 min
